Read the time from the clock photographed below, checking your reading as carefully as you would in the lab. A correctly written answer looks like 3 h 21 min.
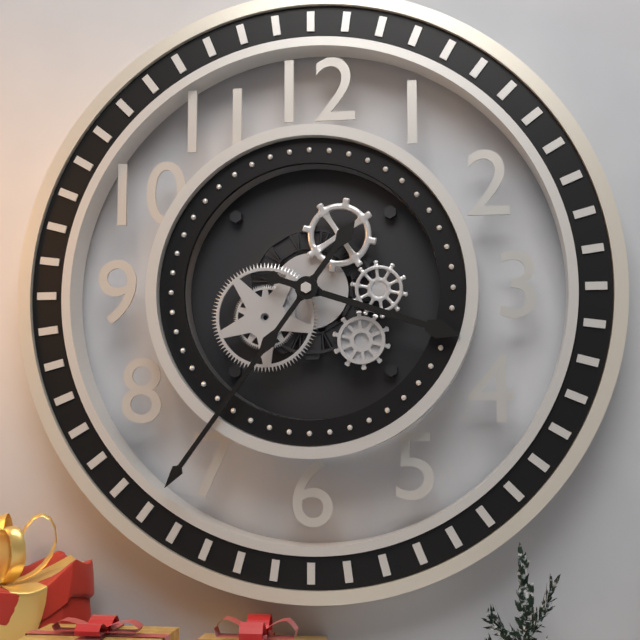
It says 3 h 36 min
